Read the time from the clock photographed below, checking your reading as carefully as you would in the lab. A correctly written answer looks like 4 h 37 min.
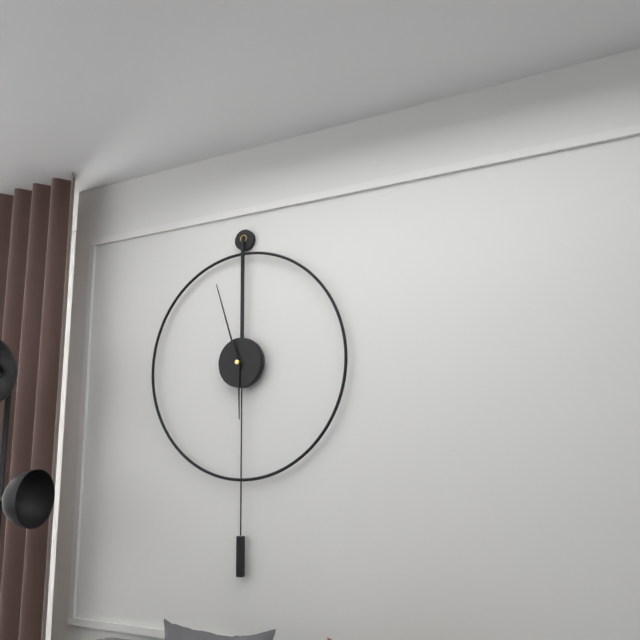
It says 5 h 57 min
